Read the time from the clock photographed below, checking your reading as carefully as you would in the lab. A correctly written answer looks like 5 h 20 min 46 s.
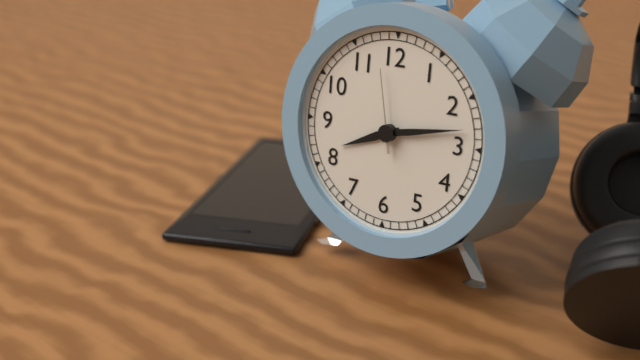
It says 8 h 13 min 58 s
